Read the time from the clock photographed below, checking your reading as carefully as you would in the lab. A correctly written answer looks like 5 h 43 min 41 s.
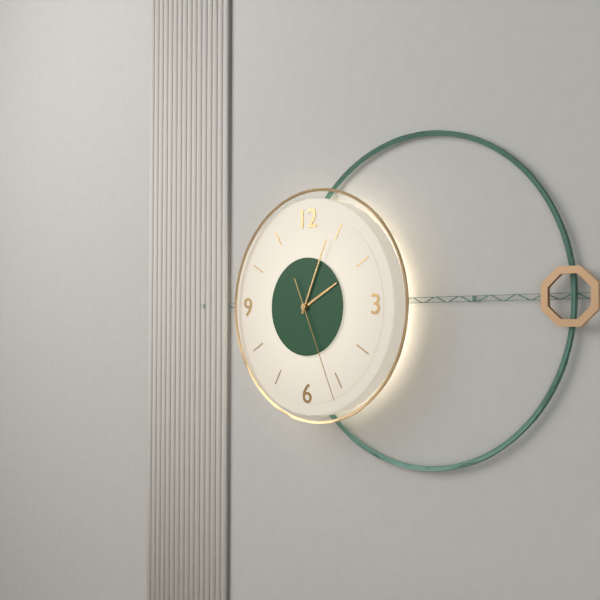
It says 2 h 04 min 26 s
